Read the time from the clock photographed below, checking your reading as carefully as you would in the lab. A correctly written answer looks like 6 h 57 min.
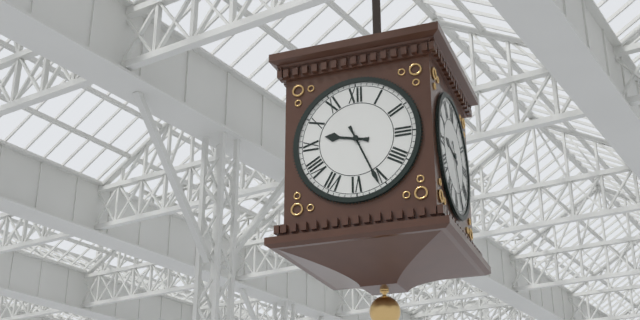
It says 9 h 26 min
